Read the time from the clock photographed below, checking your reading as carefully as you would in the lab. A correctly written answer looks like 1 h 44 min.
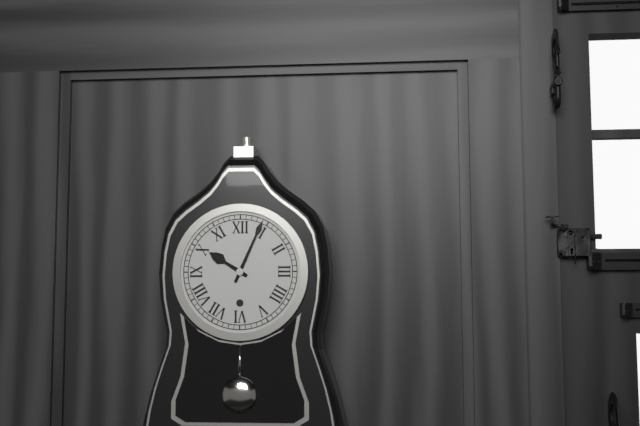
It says 10 h 04 min
